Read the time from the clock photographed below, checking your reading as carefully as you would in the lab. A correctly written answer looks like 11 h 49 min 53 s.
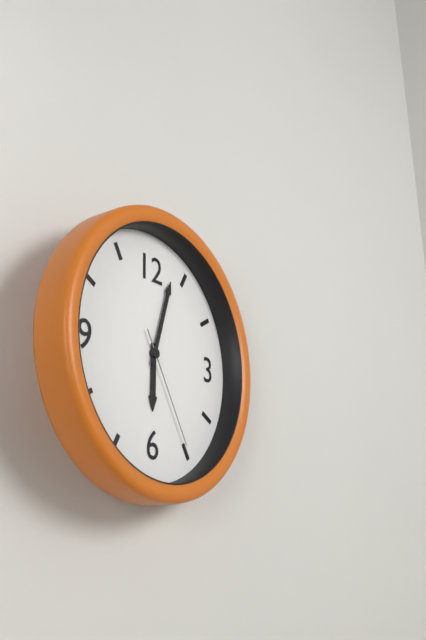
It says 6 h 03 min 25 s
